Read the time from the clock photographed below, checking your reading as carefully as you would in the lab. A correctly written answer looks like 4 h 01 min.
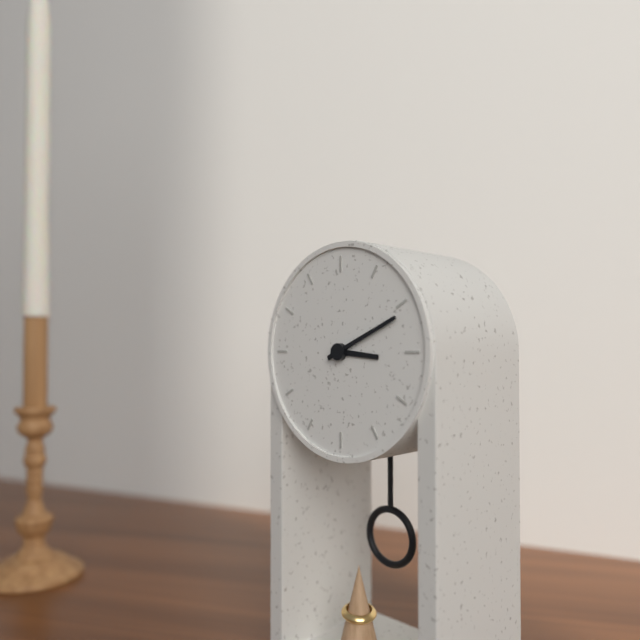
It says 3 h 11 min
